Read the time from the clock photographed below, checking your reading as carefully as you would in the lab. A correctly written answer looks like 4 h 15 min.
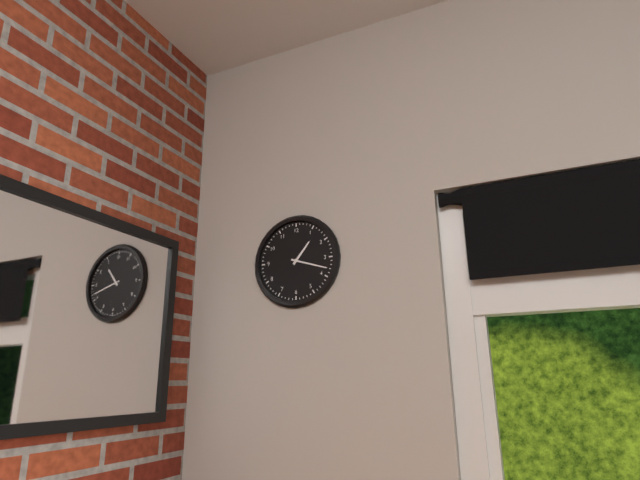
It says 1 h 18 min
